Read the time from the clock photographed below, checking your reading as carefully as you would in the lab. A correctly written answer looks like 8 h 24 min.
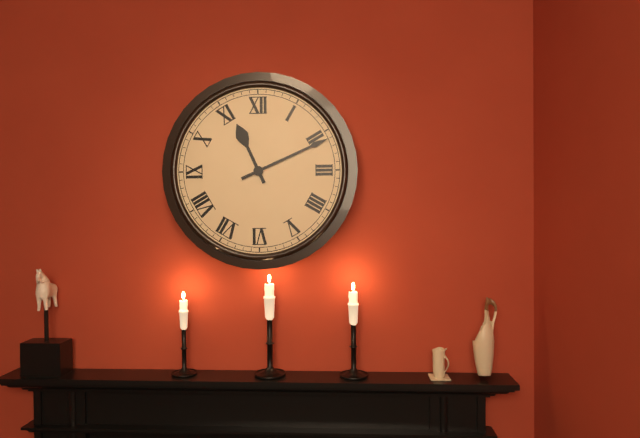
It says 11 h 11 min
